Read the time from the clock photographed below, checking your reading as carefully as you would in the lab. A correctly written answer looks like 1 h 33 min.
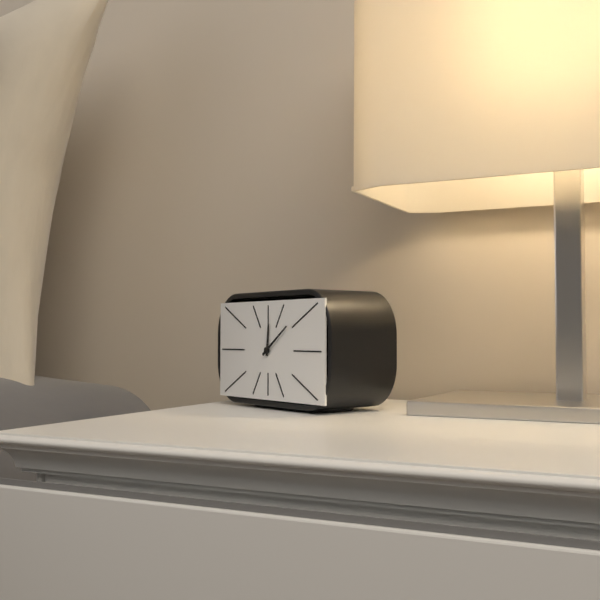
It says 12 h 09 min
